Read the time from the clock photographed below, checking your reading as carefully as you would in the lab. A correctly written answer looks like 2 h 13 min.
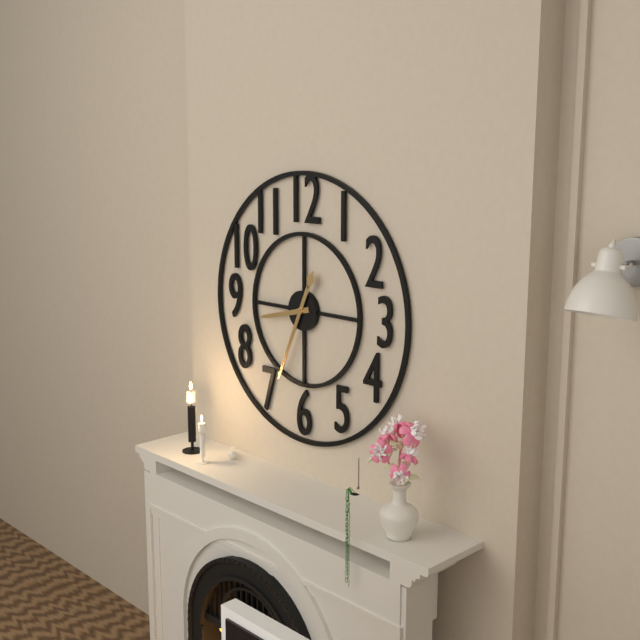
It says 8 h 34 min
